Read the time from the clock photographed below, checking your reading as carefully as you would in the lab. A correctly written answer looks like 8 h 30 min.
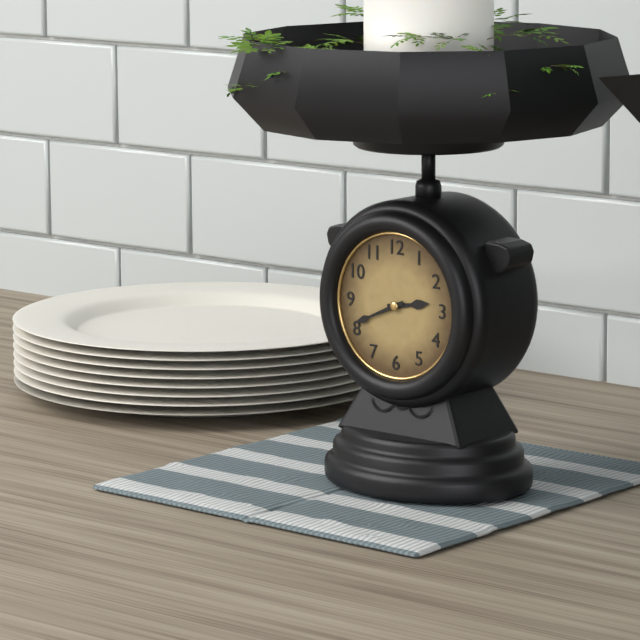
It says 2 h 41 min
